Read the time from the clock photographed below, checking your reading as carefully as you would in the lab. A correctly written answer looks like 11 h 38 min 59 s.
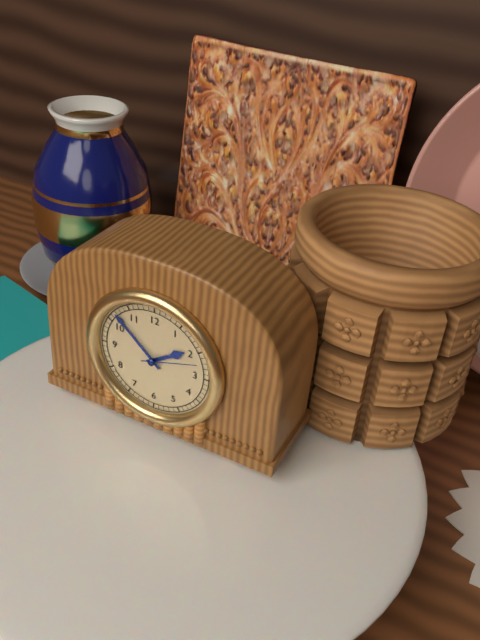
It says 1 h 52 min 12 s
